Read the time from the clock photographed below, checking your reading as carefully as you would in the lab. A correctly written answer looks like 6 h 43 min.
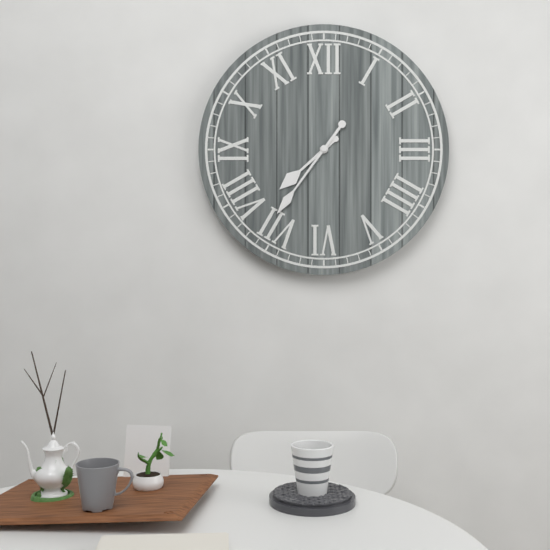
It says 7 h 36 min
